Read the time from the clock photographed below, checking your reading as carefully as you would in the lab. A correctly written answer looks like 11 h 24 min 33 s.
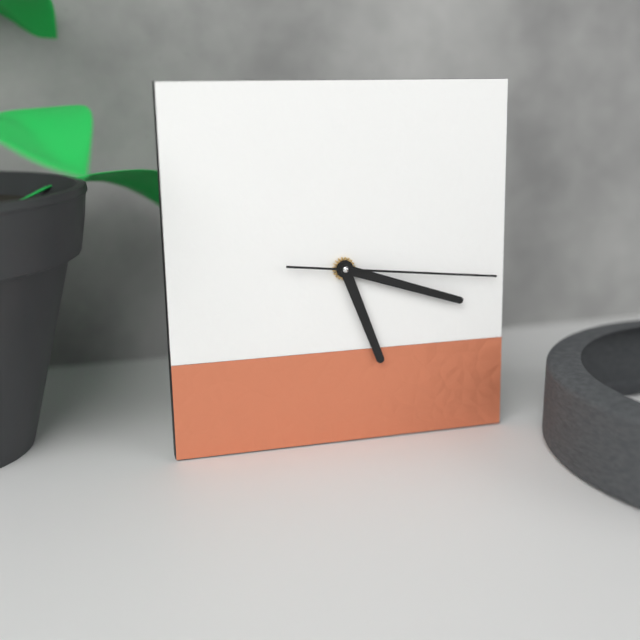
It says 5 h 18 min 16 s
